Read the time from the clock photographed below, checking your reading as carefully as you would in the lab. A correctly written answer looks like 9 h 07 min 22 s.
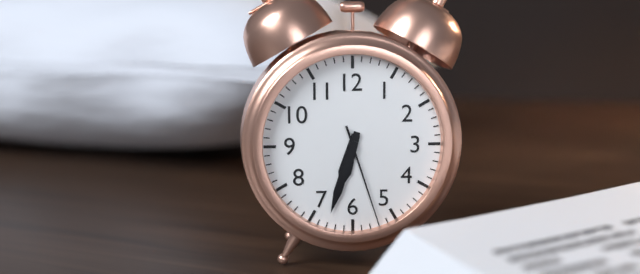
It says 6 h 33 min 27 s
